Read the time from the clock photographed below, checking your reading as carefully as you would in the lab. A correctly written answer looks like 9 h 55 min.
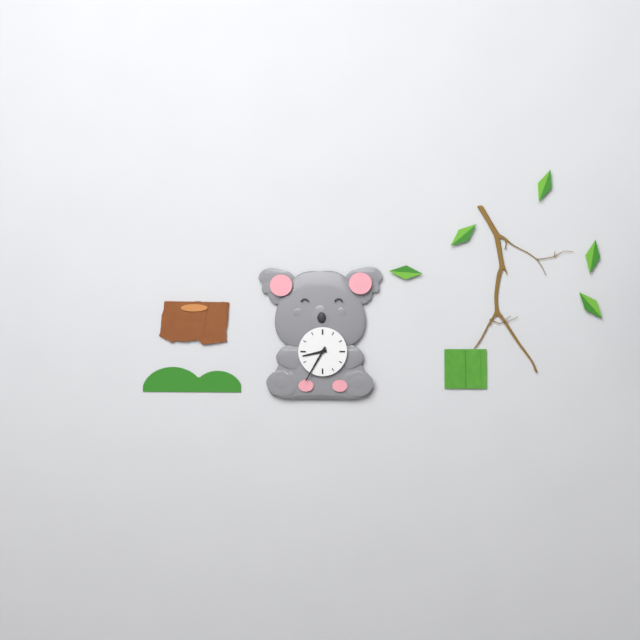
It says 8 h 35 min
